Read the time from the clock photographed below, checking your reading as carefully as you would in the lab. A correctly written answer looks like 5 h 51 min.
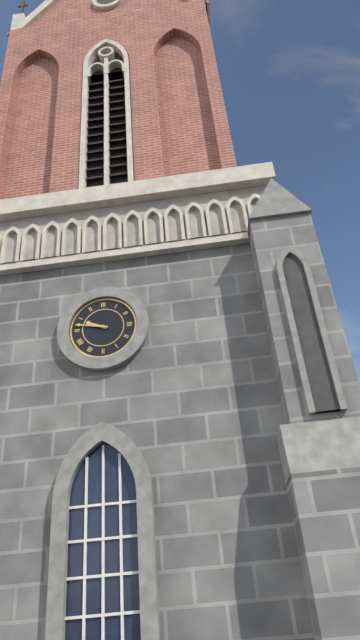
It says 9 h 47 min
